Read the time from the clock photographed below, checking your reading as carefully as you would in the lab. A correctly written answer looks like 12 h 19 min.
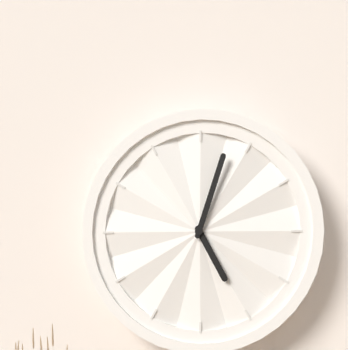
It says 5 h 03 min
